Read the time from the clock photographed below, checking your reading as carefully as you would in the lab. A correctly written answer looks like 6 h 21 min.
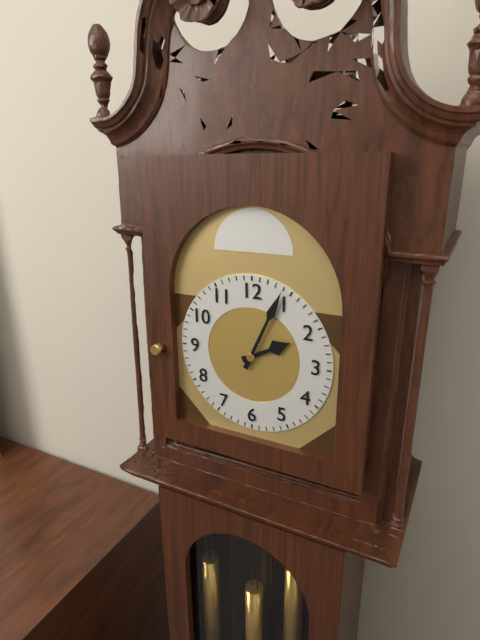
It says 2 h 04 min
